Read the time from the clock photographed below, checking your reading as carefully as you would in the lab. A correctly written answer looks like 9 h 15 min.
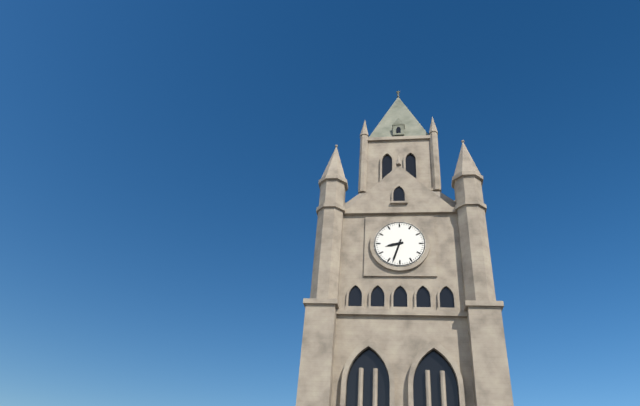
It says 8 h 33 min
